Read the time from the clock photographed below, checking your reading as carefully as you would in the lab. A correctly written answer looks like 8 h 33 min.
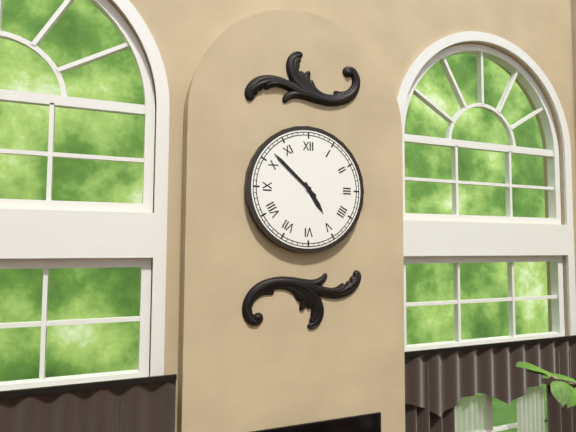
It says 4 h 52 min
